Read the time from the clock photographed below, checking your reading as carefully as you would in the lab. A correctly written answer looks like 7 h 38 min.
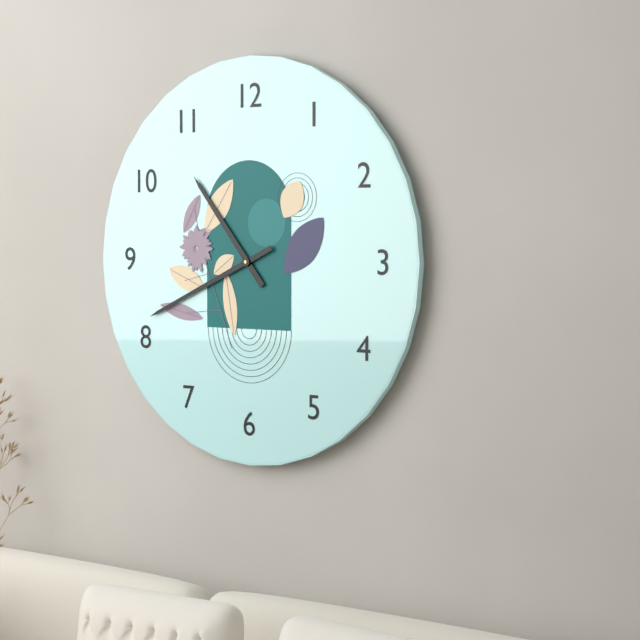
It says 10 h 41 min
